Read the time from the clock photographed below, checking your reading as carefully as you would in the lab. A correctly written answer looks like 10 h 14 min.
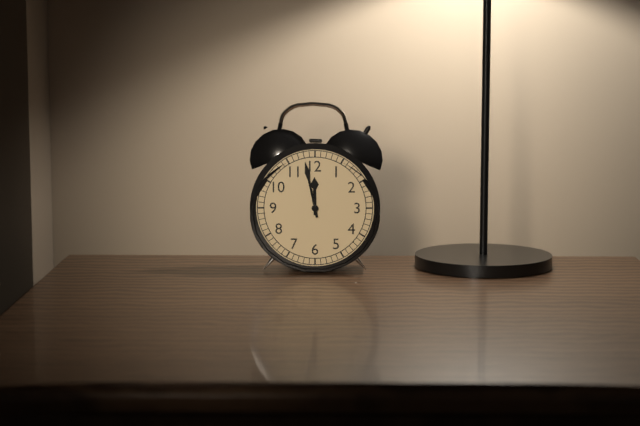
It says 11 h 58 min
